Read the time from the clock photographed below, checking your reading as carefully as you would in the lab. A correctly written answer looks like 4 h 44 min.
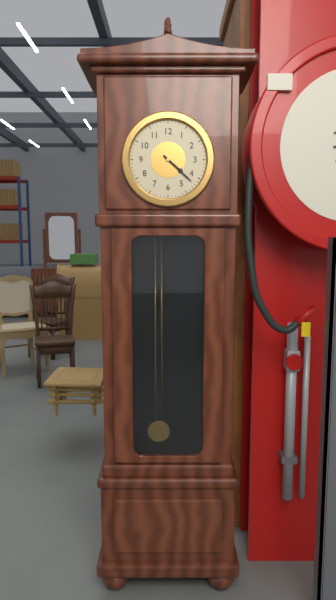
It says 4 h 22 min
